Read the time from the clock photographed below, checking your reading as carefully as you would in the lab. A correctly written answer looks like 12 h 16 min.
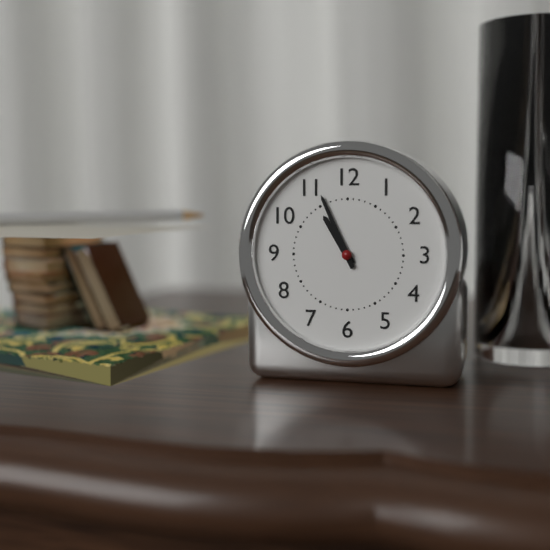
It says 10 h 56 min
